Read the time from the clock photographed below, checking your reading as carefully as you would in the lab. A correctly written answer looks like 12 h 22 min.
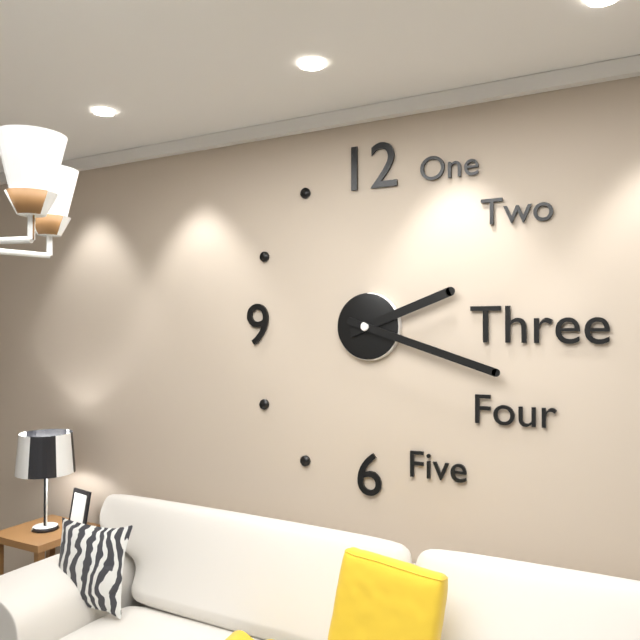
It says 2 h 18 min
